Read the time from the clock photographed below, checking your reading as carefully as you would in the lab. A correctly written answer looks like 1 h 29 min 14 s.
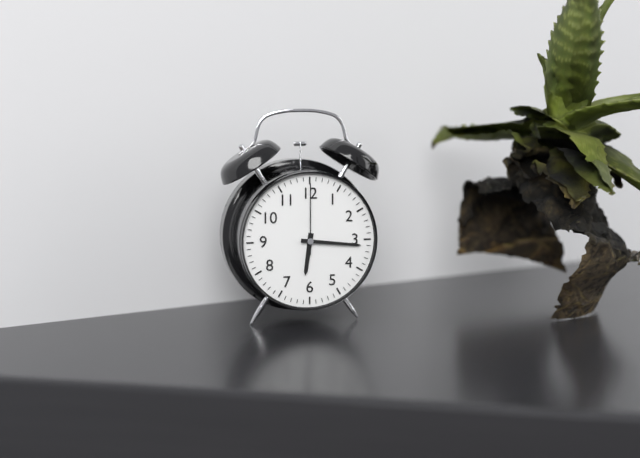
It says 6 h 16 min 00 s
